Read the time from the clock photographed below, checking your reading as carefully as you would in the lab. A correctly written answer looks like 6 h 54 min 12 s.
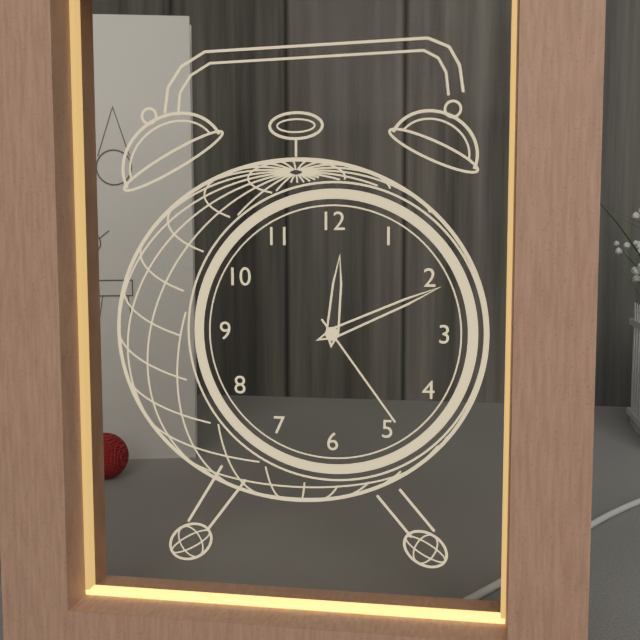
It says 12 h 11 min 24 s
